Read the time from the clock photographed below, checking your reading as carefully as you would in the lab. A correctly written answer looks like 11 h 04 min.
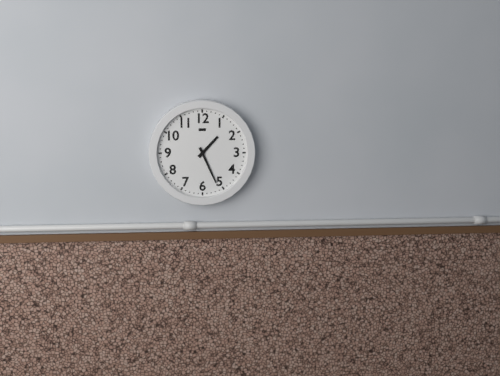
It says 1 h 26 min
